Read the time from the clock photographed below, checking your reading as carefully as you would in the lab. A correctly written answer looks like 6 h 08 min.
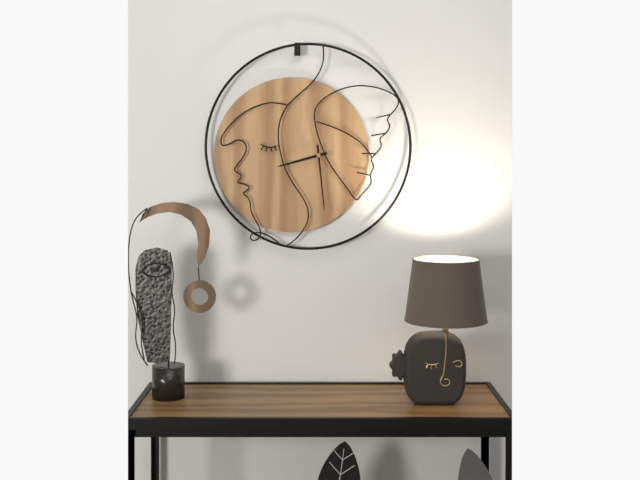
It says 8 h 29 min
